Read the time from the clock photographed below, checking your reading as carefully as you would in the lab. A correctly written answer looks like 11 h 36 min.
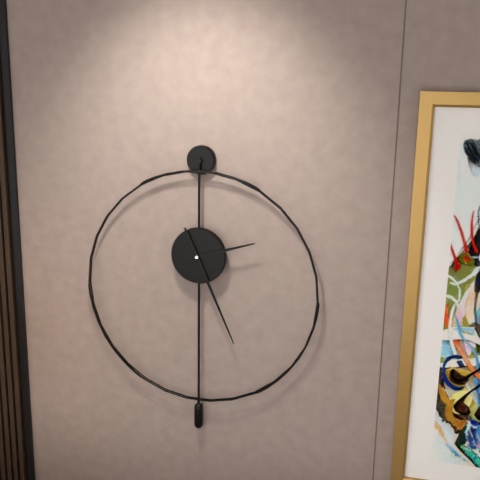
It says 2 h 26 min
